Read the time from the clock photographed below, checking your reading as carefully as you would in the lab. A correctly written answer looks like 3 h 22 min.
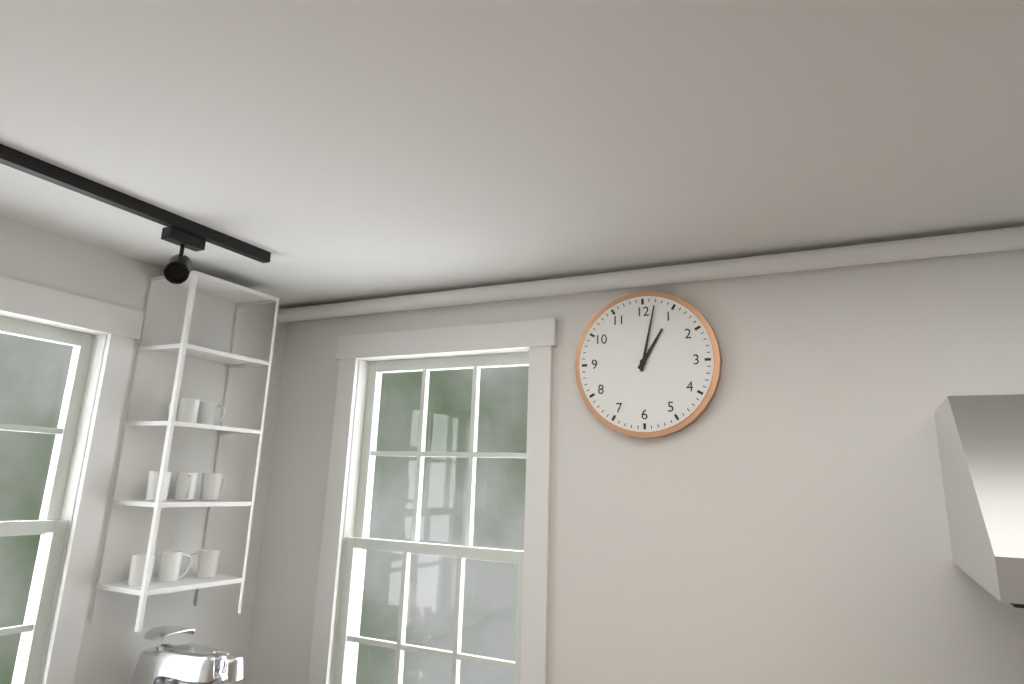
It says 1 h 02 min
